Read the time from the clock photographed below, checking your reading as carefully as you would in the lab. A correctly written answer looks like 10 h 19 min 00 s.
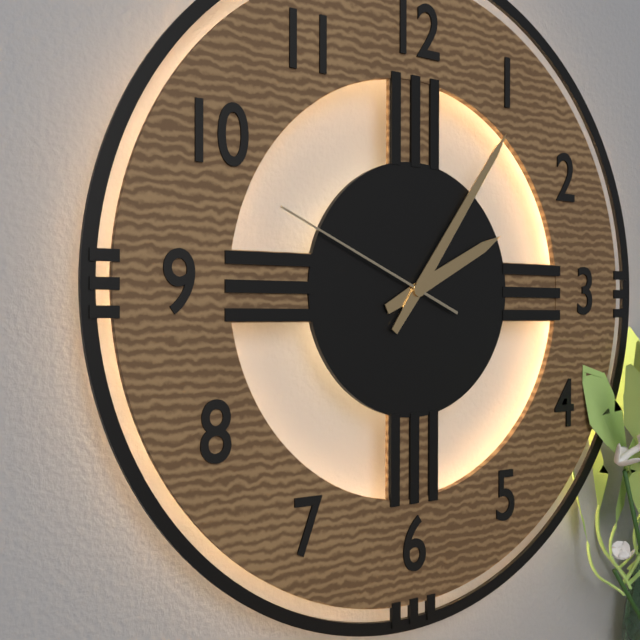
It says 2 h 06 min 49 s
